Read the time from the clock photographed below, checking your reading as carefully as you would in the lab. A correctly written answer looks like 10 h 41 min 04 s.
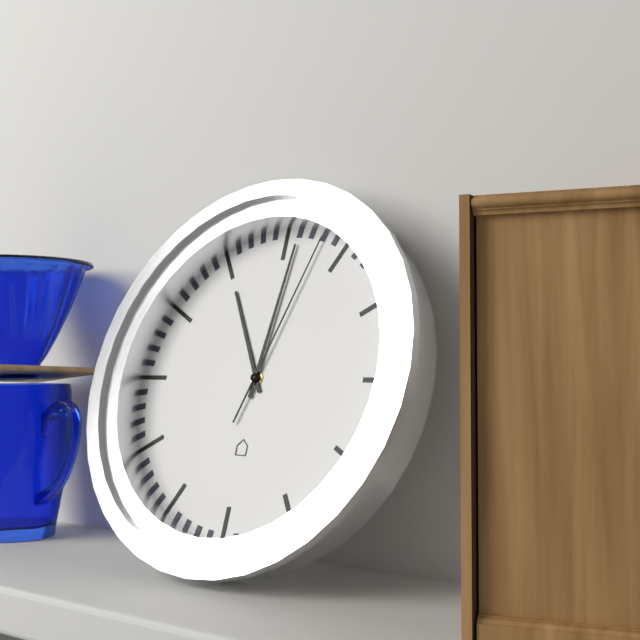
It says 11 h 01 min 03 s
